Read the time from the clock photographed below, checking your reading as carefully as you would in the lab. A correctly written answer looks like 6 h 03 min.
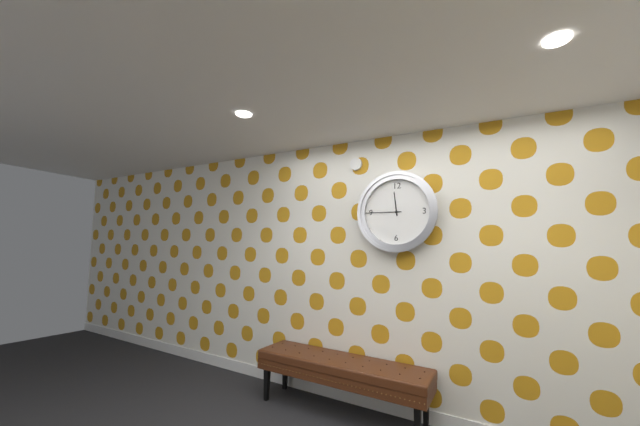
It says 11 h 45 min
